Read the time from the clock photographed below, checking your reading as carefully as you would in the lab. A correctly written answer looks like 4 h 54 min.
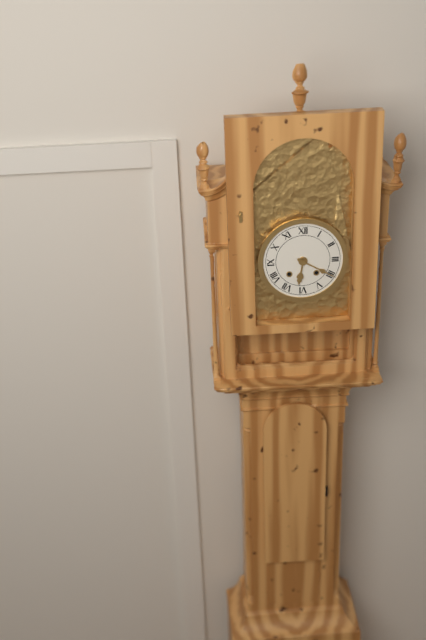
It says 6 h 20 min
